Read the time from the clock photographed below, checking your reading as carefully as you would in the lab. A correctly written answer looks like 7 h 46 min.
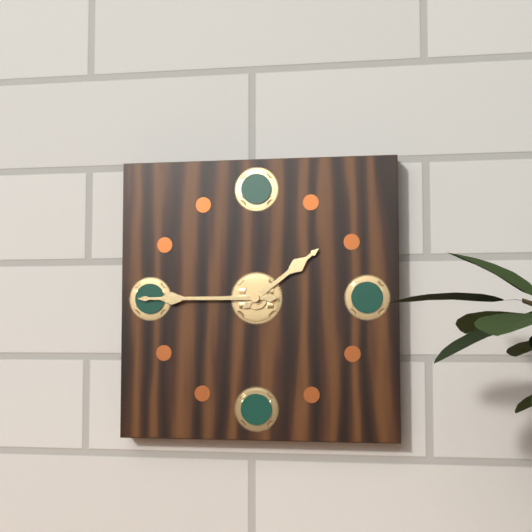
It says 1 h 45 min
